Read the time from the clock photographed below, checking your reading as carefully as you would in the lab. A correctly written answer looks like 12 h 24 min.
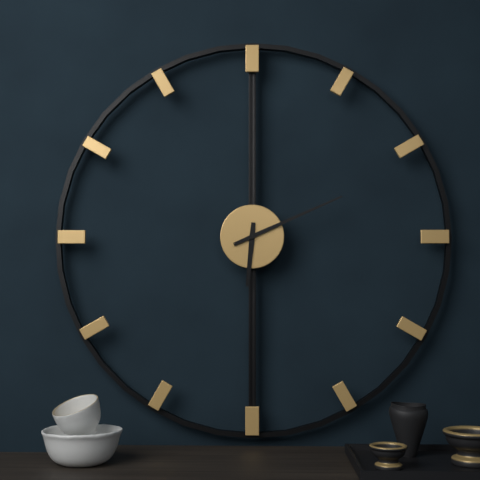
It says 6 h 11 min
